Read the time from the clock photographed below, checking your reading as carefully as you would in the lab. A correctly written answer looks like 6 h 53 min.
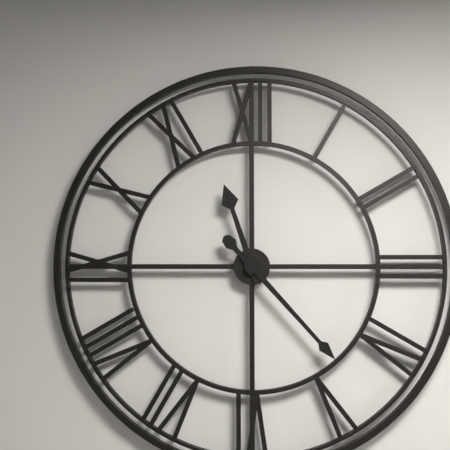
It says 11 h 23 min
